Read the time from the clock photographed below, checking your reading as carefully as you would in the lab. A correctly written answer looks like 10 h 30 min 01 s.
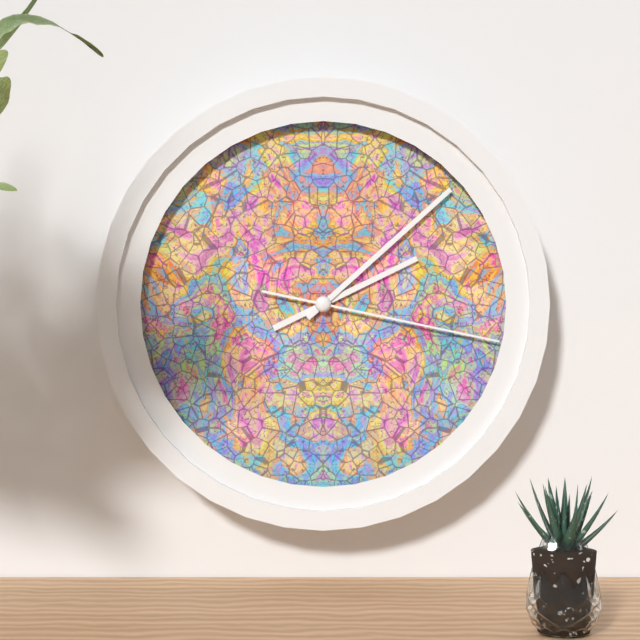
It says 2 h 08 min 17 s
